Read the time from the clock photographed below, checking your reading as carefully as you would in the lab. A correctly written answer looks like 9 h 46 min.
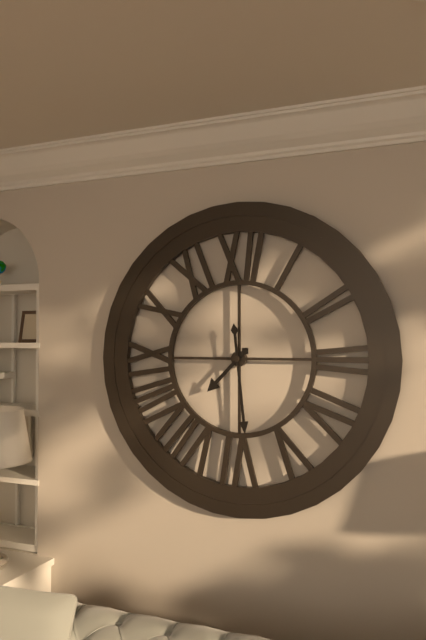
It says 7 h 29 min
